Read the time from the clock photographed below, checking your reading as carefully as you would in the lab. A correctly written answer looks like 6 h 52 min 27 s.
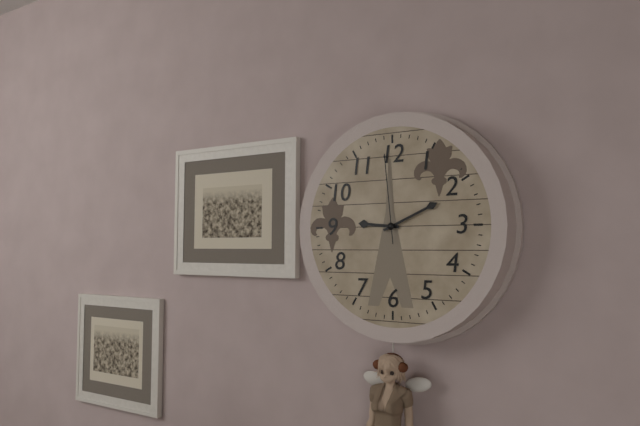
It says 9 h 11 min 59 s
